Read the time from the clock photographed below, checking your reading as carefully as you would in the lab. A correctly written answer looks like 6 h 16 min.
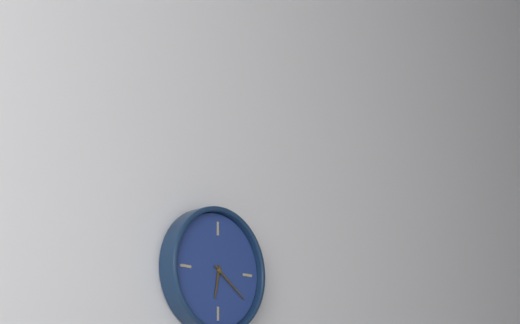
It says 6 h 21 min
